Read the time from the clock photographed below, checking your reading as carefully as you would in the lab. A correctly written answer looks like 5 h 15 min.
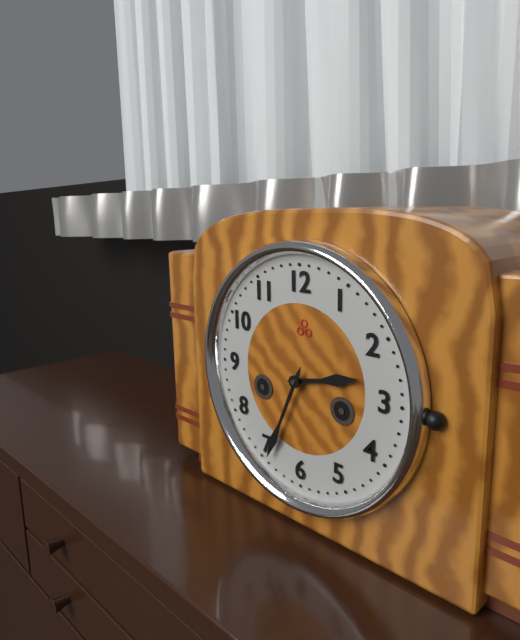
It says 2 h 34 min
